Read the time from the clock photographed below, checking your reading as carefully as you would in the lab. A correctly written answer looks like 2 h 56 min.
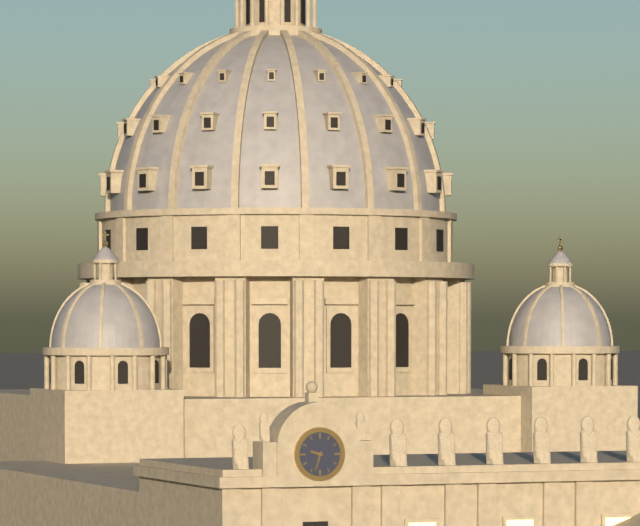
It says 9 h 33 min
